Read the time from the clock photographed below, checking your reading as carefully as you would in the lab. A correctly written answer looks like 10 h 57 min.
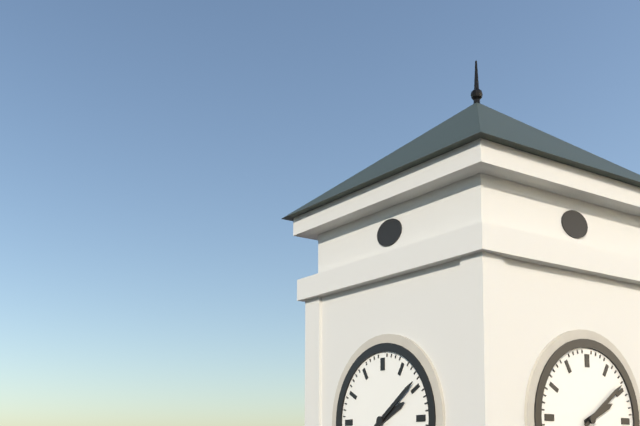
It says 2 h 09 min
